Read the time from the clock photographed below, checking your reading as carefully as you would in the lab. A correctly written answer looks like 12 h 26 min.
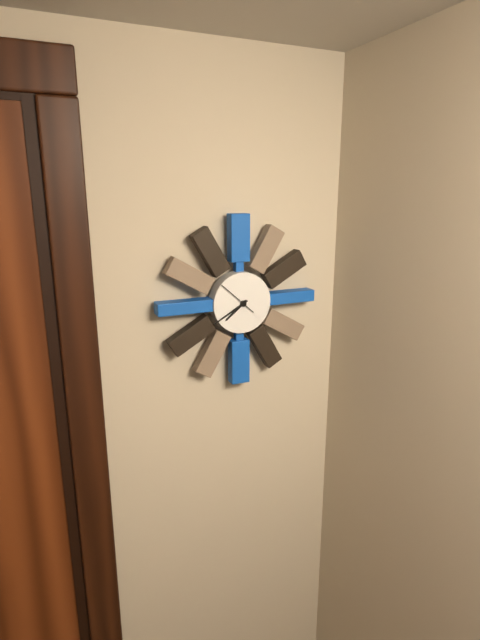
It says 7 h 40 min
